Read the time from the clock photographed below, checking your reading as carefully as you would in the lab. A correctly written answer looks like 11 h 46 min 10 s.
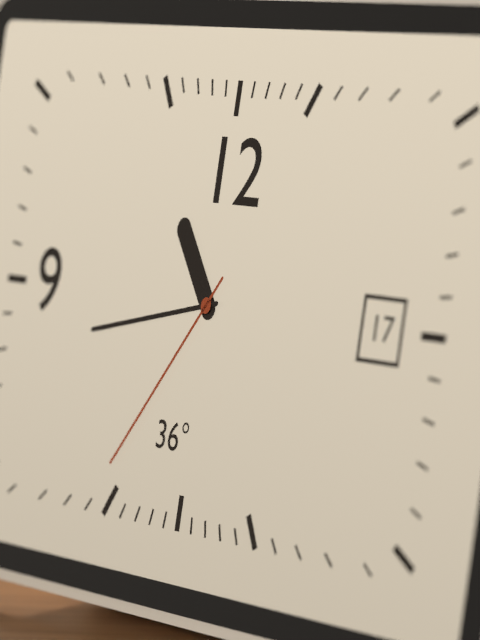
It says 10 h 43 min 36 s
